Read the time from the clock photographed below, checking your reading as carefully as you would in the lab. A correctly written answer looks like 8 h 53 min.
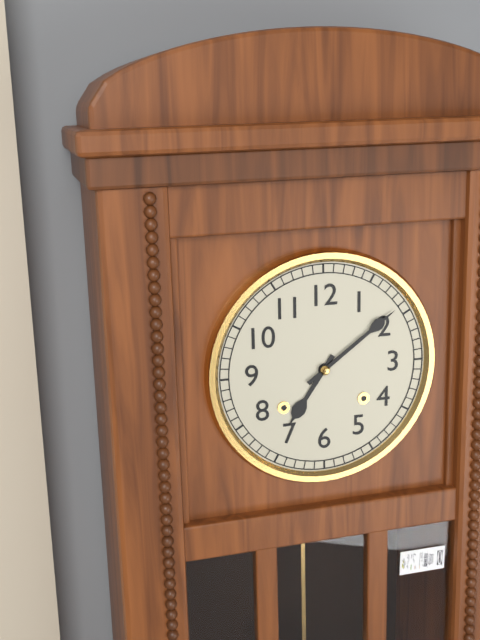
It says 7 h 09 min
